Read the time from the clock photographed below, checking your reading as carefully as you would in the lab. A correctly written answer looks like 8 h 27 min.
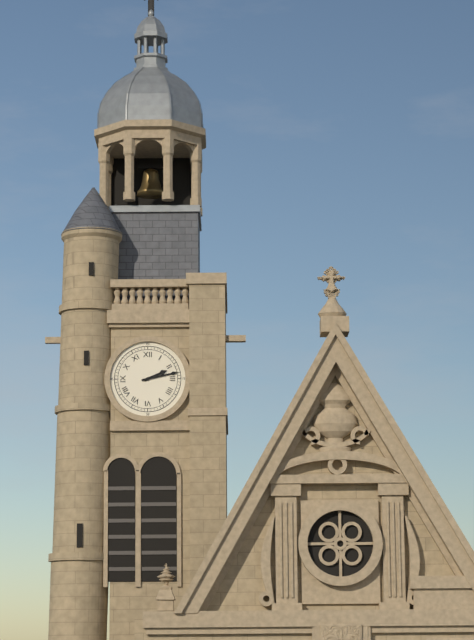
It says 2 h 13 min
